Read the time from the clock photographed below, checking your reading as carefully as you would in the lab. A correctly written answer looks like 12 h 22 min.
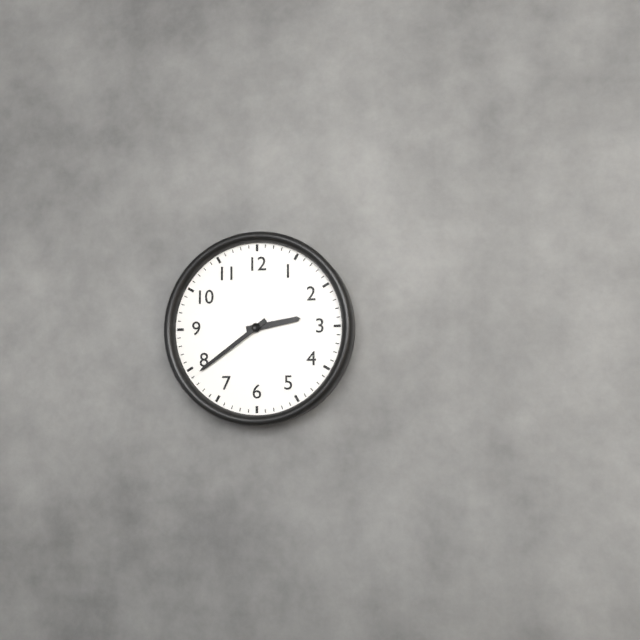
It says 2 h 39 min
